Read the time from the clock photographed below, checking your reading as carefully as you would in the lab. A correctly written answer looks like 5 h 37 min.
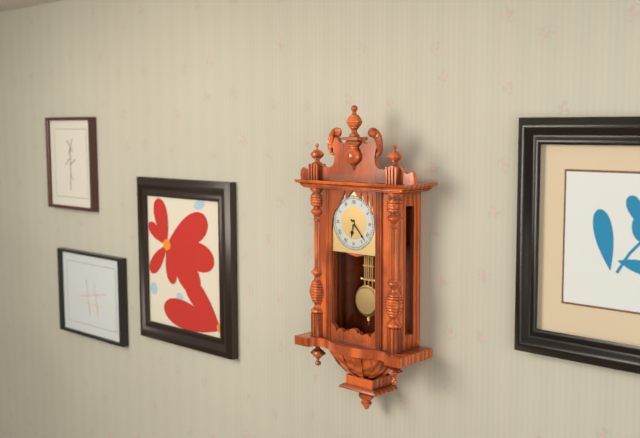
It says 6 h 23 min
